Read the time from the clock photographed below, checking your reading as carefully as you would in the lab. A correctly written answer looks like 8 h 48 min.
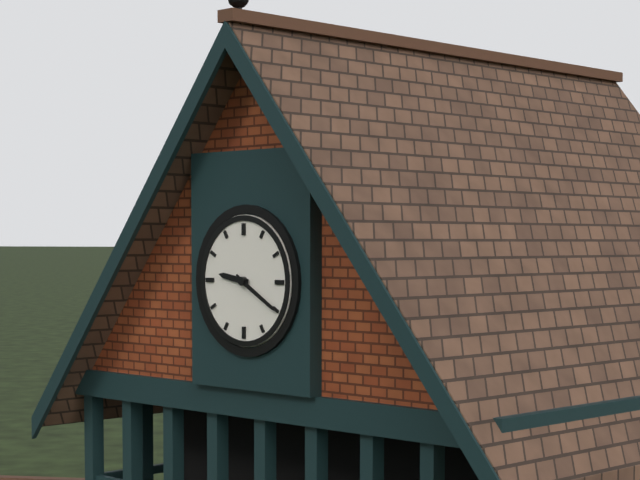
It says 9 h 20 min
